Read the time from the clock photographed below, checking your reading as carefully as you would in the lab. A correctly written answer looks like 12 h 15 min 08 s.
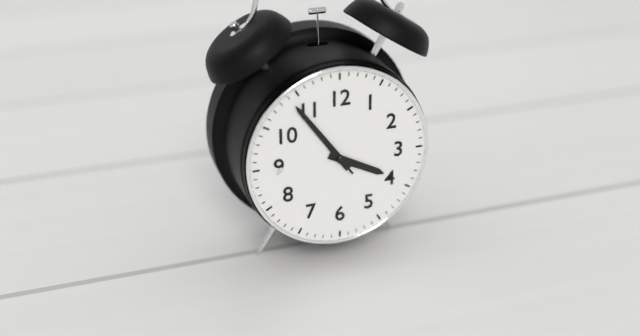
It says 3 h 54 min 54 s
